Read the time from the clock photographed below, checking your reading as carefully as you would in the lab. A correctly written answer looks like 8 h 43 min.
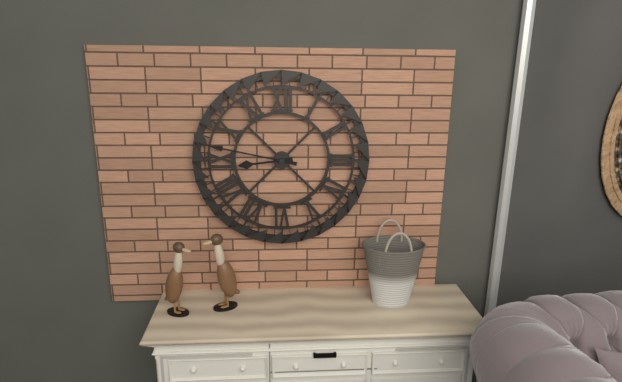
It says 8 h 47 min
